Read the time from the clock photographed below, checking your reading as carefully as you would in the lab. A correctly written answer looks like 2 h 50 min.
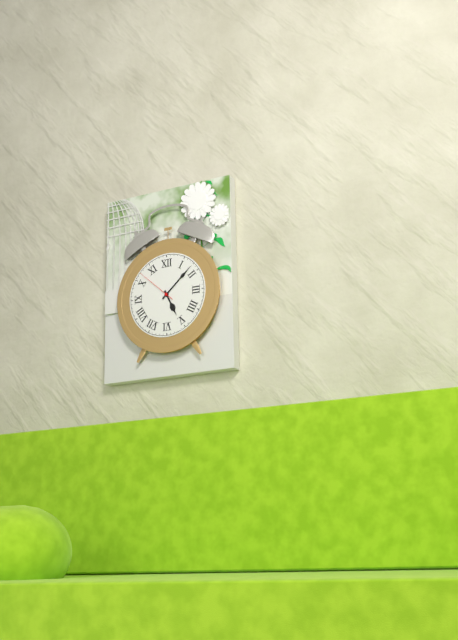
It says 5 h 08 min
